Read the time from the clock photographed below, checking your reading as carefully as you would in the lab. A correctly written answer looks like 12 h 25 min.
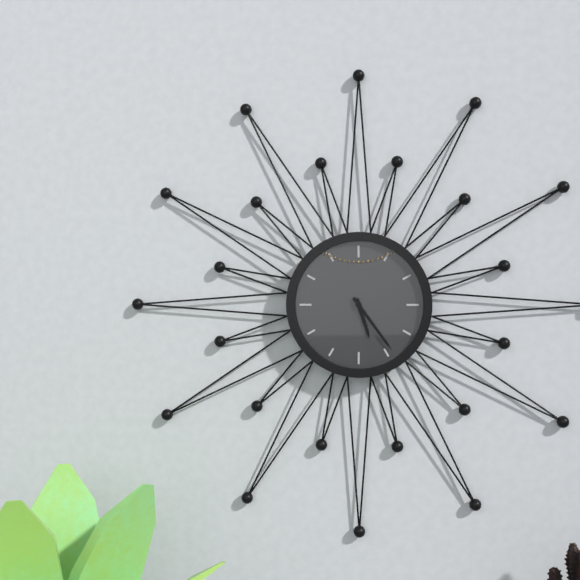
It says 5 h 24 min
